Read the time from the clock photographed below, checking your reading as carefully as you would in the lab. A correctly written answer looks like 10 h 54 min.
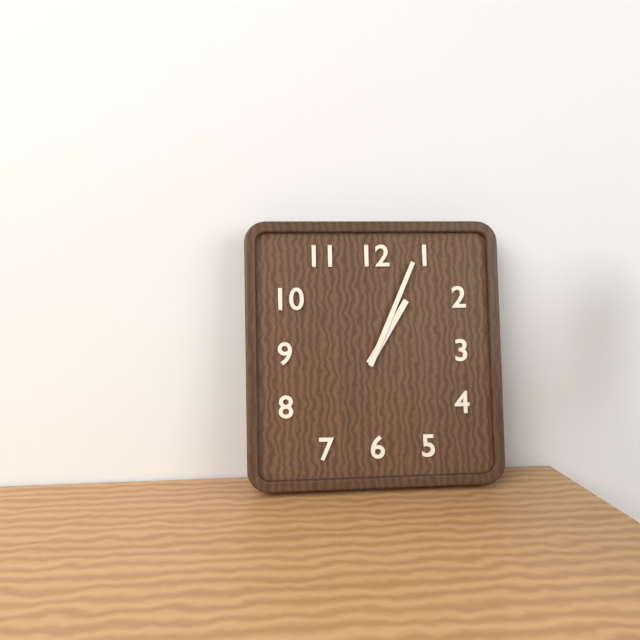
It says 1 h 04 min
